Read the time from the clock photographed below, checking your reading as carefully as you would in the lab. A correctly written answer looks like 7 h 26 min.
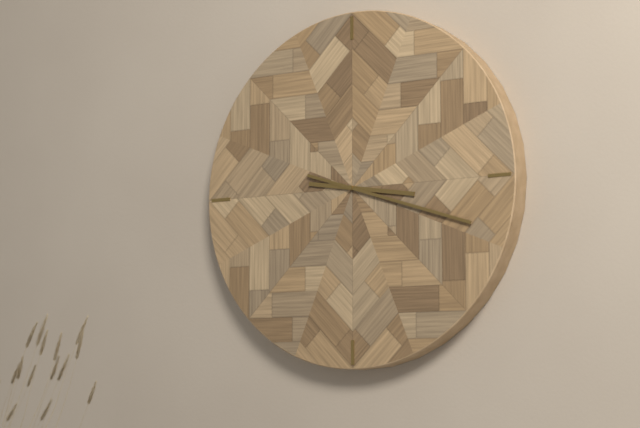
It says 3 h 18 min
